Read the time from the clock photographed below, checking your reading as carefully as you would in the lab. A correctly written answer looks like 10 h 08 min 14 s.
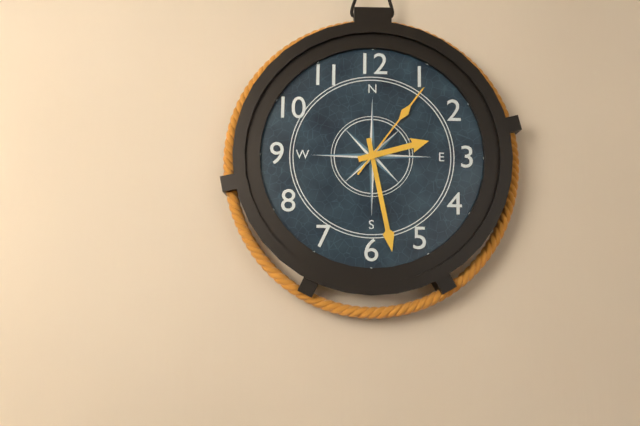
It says 2 h 28 min 06 s
